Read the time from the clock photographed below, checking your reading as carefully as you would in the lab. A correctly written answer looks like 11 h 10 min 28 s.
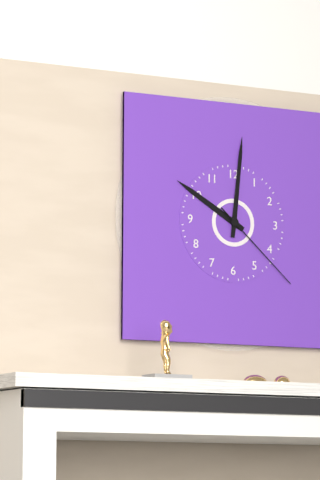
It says 10 h 01 min 22 s
